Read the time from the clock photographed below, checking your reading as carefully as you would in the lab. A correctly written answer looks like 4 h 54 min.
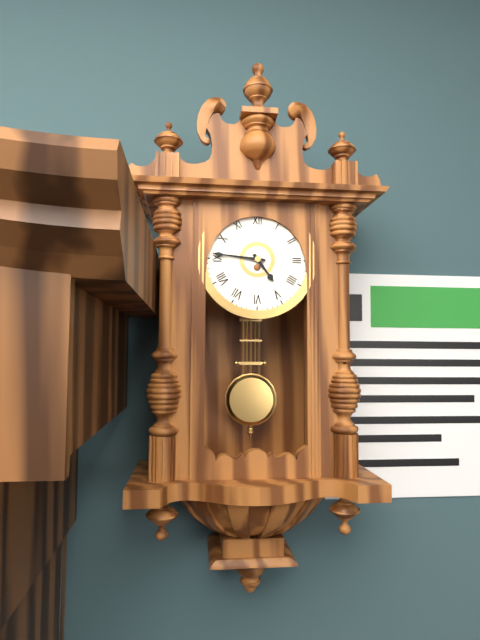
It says 4 h 46 min
